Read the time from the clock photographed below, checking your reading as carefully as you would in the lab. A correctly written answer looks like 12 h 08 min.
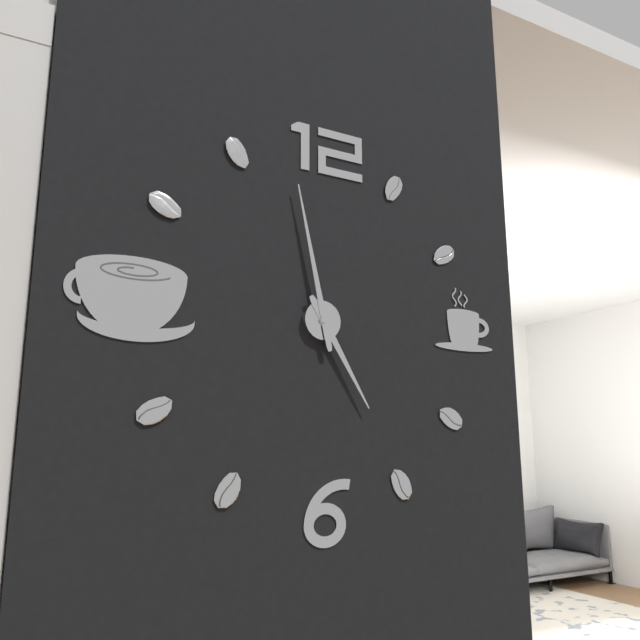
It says 4 h 58 min
